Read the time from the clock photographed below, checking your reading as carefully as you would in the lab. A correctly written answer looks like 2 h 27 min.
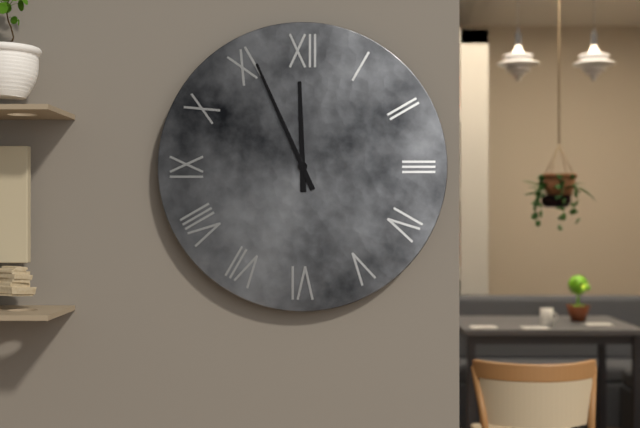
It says 11 h 56 min
